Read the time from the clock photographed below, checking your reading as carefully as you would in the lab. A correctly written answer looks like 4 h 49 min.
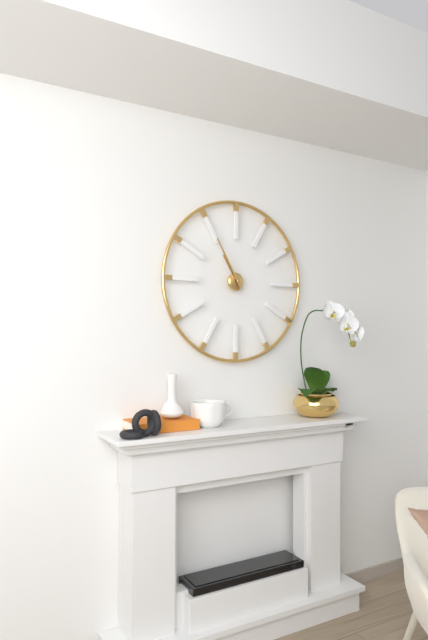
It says 10 h 55 min
